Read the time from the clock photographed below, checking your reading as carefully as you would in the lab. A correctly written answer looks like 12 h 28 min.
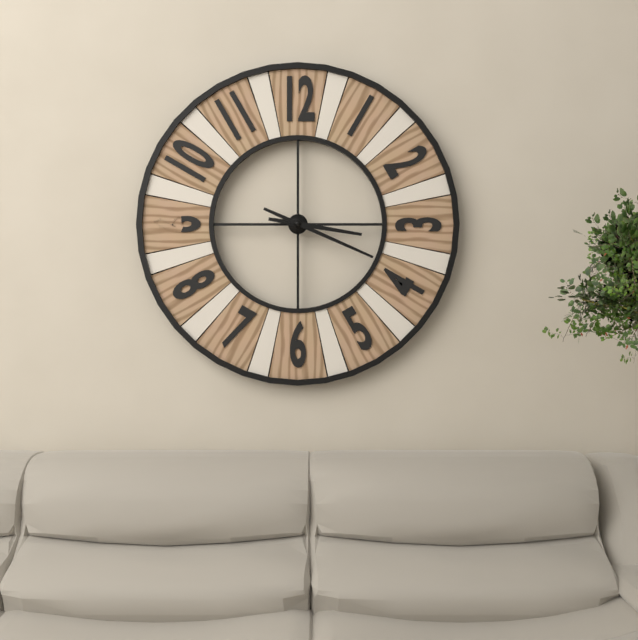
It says 3 h 19 min
